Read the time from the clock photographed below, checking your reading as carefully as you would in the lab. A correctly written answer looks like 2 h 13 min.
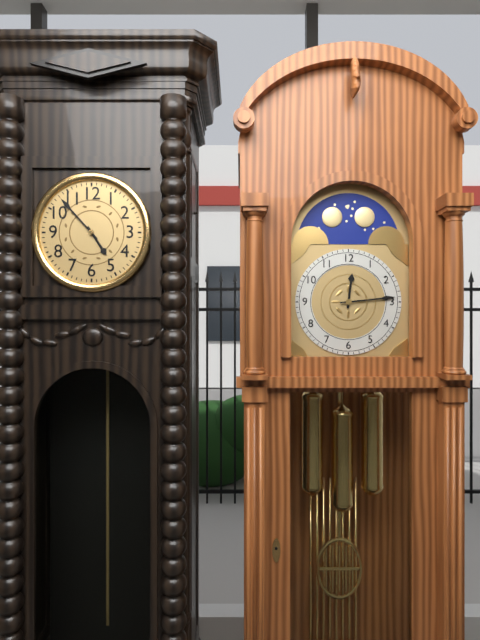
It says 4 h 53 min
